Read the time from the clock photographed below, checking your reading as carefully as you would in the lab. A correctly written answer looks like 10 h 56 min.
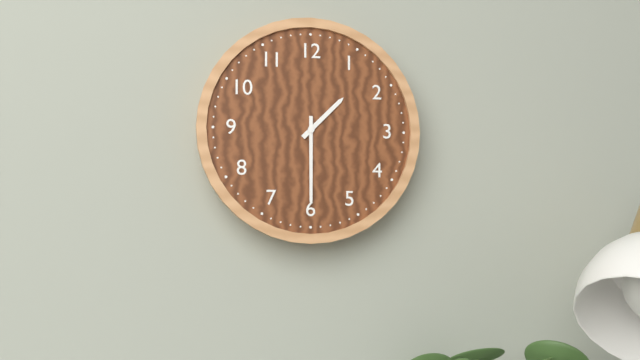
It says 1 h 30 min
